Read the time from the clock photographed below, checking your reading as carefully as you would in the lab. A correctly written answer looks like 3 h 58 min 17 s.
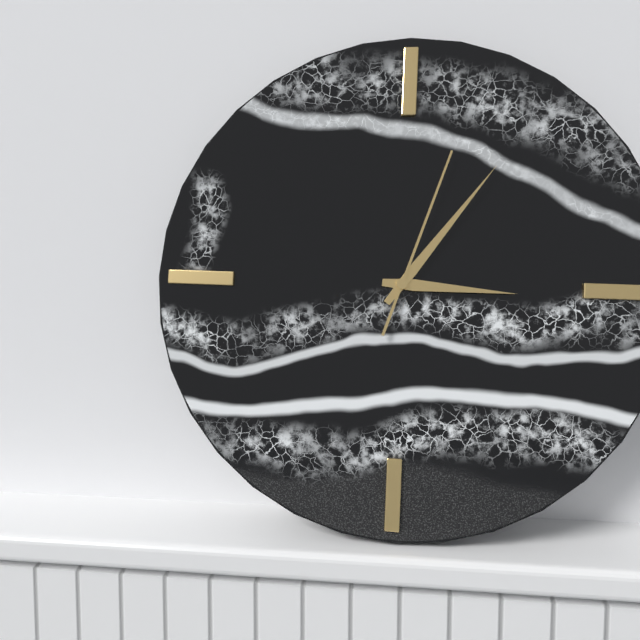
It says 3 h 06 min 03 s
